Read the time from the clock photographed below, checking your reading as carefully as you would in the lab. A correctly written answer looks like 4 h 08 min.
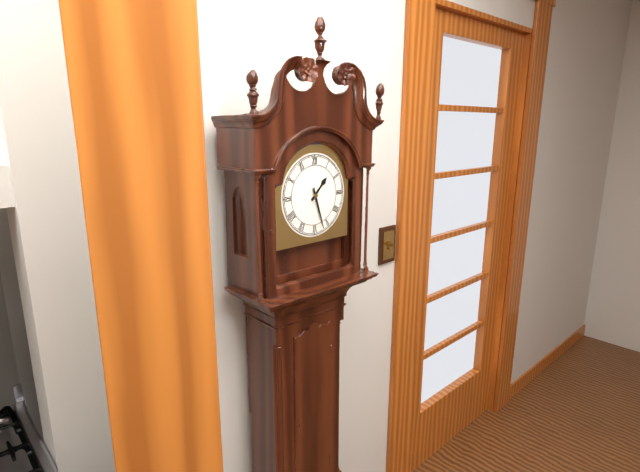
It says 1 h 27 min
